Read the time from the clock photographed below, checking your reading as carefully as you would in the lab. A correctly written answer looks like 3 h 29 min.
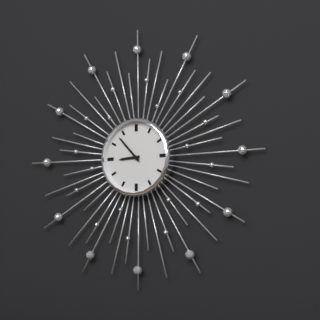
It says 8 h 53 min
